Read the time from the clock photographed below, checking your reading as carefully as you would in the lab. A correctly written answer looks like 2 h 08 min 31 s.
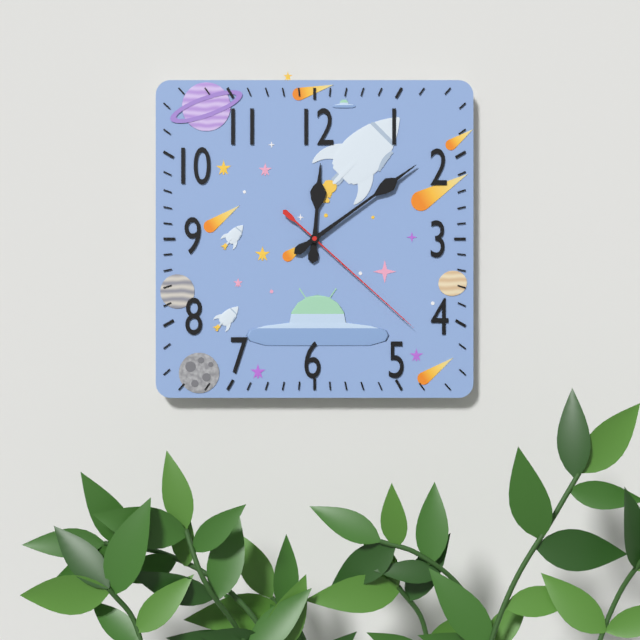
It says 12 h 09 min 22 s
